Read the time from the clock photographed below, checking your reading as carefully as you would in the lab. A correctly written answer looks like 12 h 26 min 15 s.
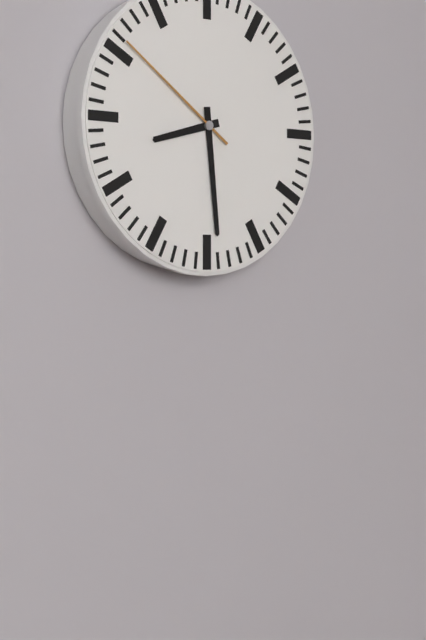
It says 8 h 29 min 51 s
